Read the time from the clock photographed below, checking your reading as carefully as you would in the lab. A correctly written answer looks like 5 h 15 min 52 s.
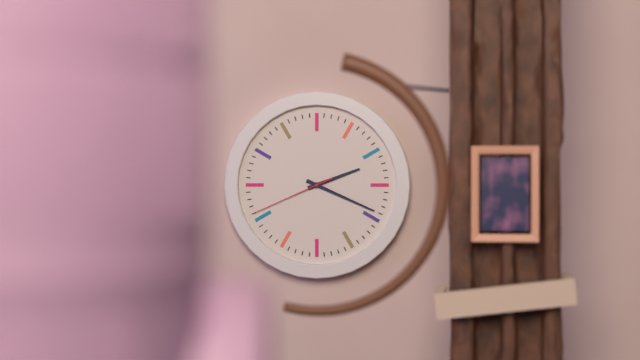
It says 2 h 19 min 41 s
